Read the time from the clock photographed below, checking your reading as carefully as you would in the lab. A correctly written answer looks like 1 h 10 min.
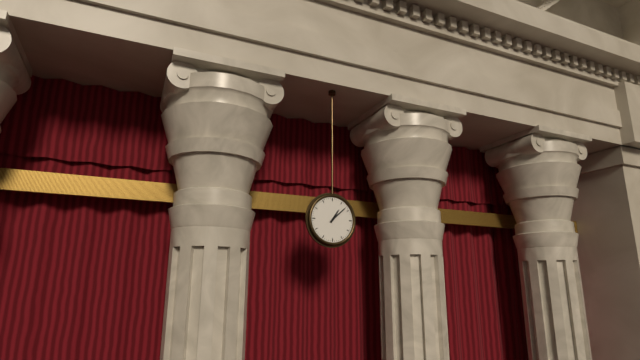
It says 1 h 08 min
